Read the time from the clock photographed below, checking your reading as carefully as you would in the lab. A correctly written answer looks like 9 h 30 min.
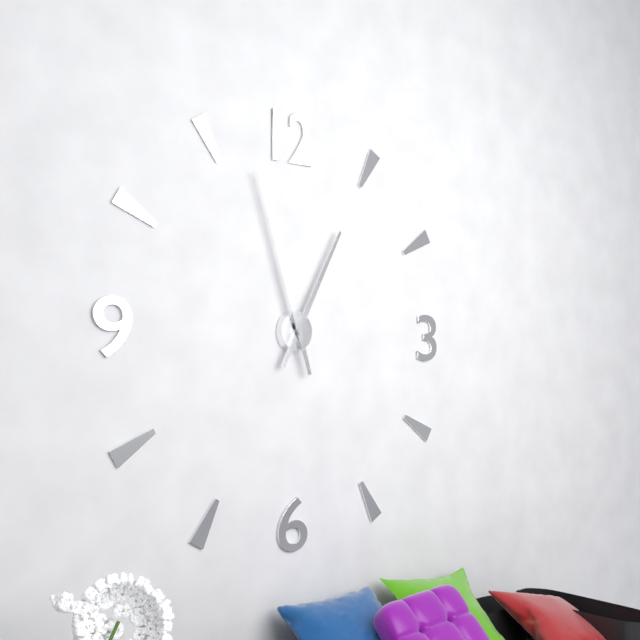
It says 12 h 57 min
